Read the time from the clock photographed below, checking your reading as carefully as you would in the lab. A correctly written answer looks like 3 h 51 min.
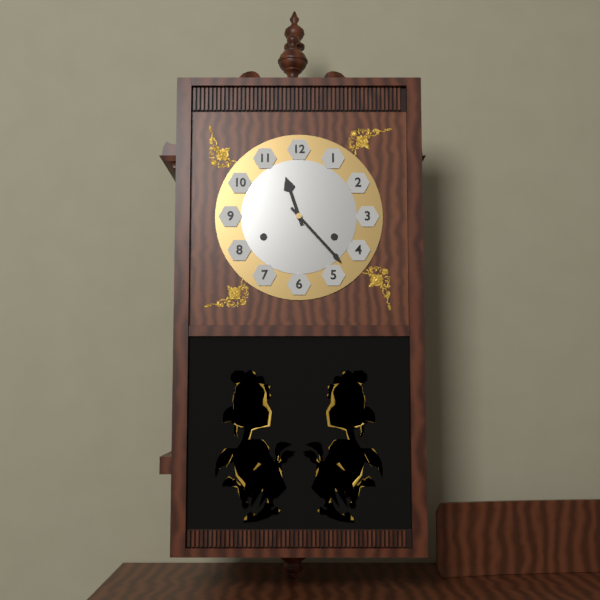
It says 11 h 23 min
